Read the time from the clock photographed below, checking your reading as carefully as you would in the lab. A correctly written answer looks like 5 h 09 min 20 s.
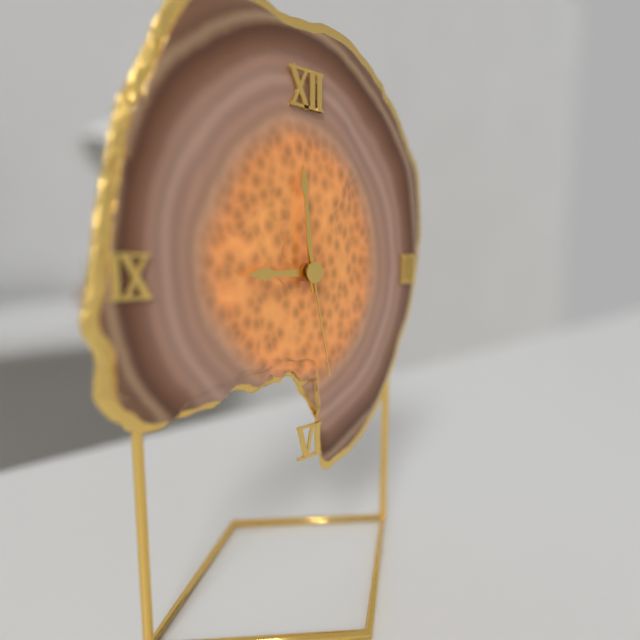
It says 8 h 59 min 28 s
